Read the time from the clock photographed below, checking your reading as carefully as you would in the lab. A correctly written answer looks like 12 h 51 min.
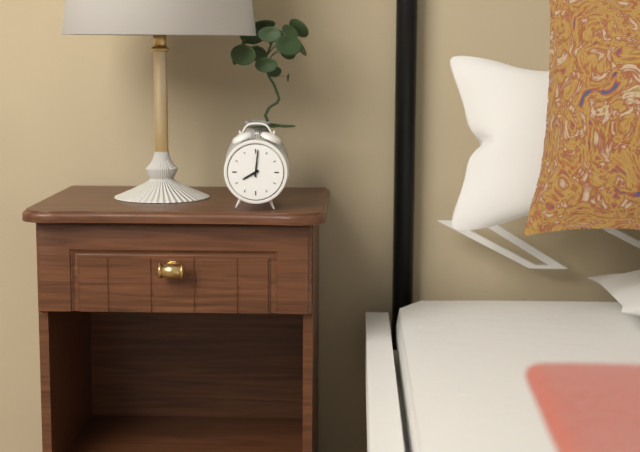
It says 8 h 01 min
